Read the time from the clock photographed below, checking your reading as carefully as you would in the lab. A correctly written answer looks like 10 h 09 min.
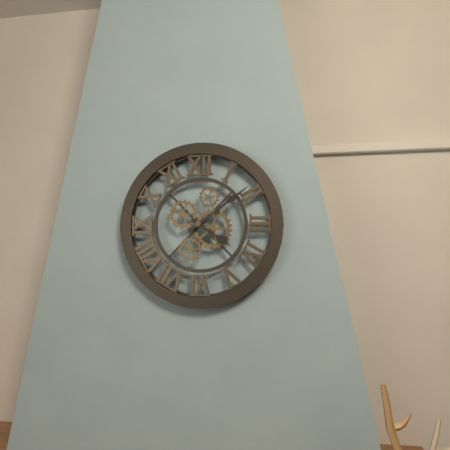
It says 4 h 09 min
